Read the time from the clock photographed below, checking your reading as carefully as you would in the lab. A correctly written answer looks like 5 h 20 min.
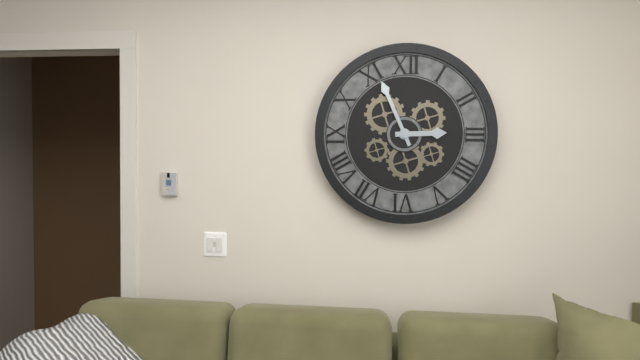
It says 2 h 56 min
